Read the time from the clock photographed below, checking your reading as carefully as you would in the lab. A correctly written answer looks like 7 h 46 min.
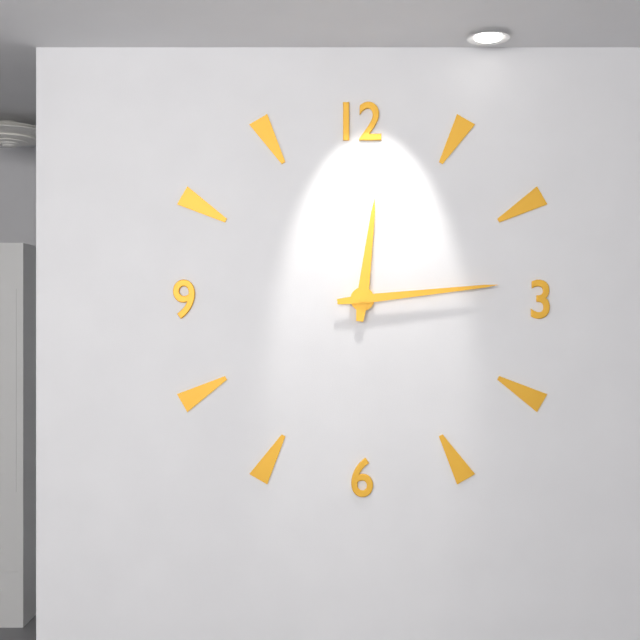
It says 12 h 14 min
